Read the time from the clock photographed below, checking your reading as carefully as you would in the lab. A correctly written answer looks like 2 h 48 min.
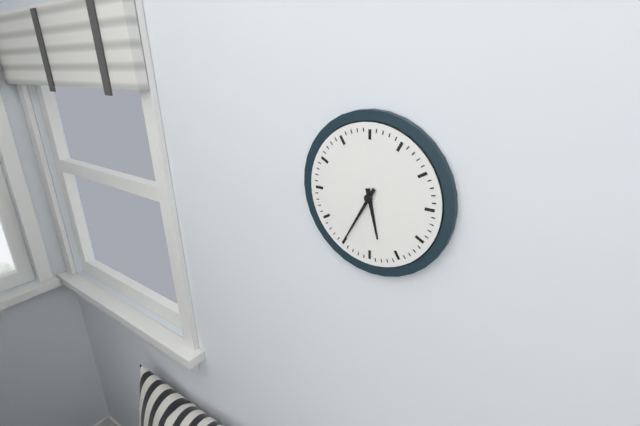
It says 5 h 35 min
